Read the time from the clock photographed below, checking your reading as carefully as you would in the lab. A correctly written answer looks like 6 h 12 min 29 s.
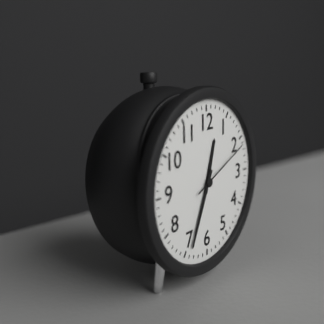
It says 12 h 34 min 11 s
